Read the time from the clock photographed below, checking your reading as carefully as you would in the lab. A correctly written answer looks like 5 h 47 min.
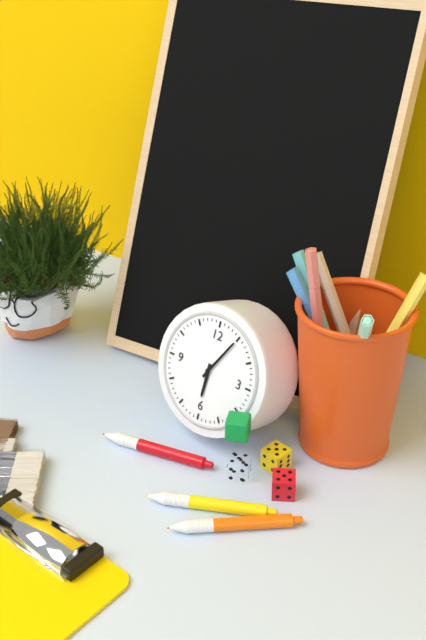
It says 6 h 05 min
